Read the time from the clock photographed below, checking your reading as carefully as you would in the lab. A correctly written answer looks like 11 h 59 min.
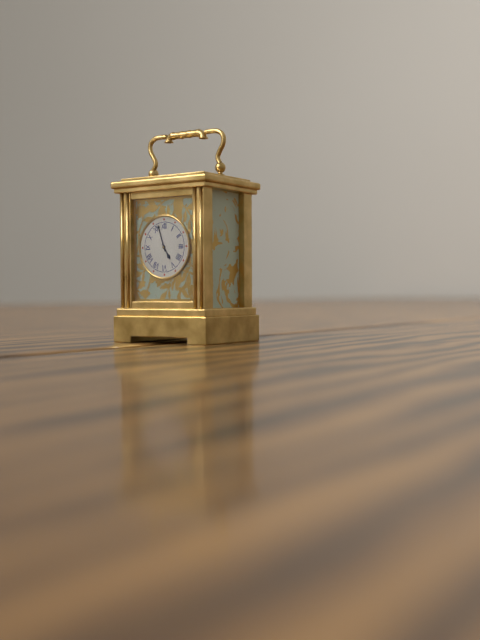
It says 4 h 57 min
